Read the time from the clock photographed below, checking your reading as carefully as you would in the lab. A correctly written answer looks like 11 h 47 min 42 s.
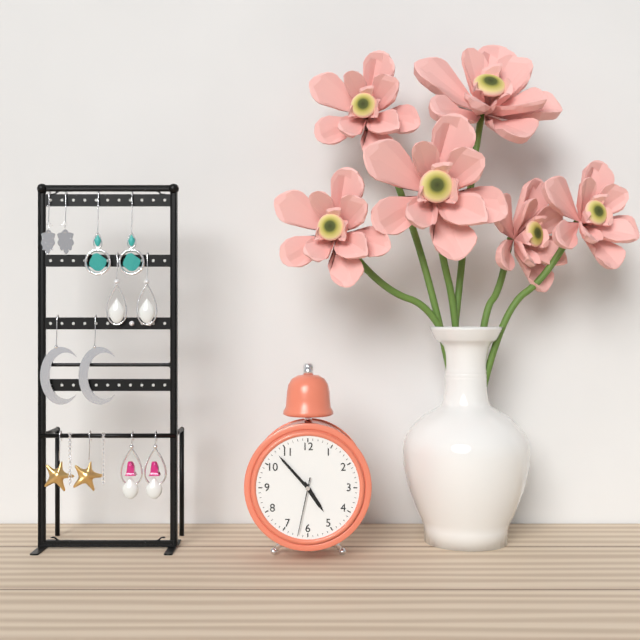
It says 4 h 53 min 32 s
